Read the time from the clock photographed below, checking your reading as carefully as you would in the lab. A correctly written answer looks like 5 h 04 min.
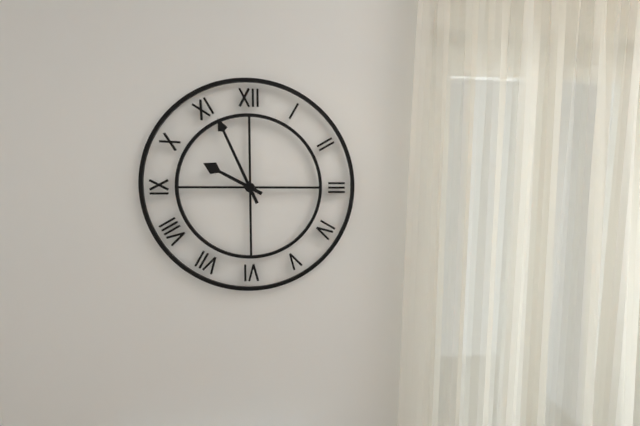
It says 9 h 56 min
